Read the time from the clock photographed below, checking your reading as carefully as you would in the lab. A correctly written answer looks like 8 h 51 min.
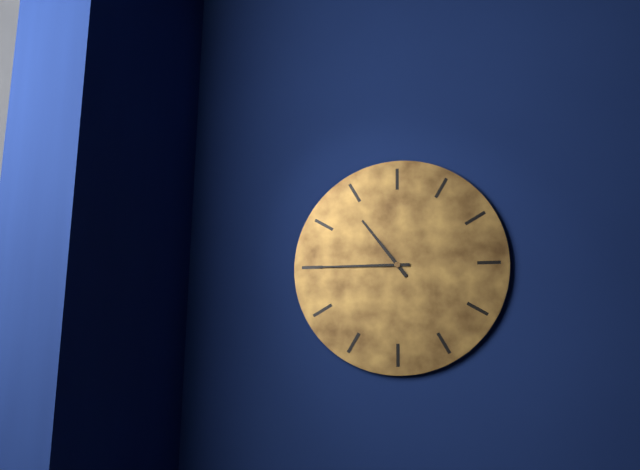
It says 10 h 45 min
